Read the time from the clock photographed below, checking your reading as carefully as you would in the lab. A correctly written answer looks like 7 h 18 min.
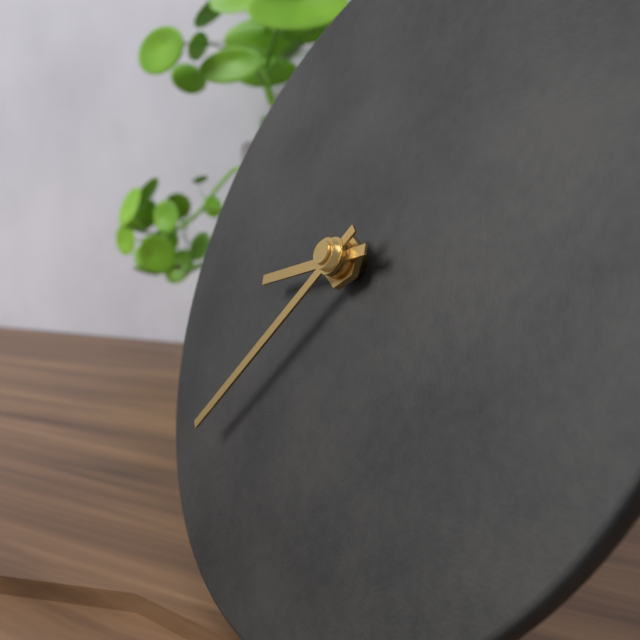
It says 8 h 37 min
